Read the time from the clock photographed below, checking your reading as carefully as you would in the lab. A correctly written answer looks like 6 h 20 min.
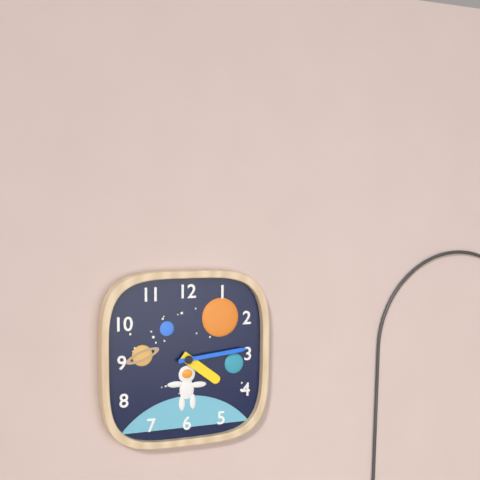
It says 4 h 14 min
